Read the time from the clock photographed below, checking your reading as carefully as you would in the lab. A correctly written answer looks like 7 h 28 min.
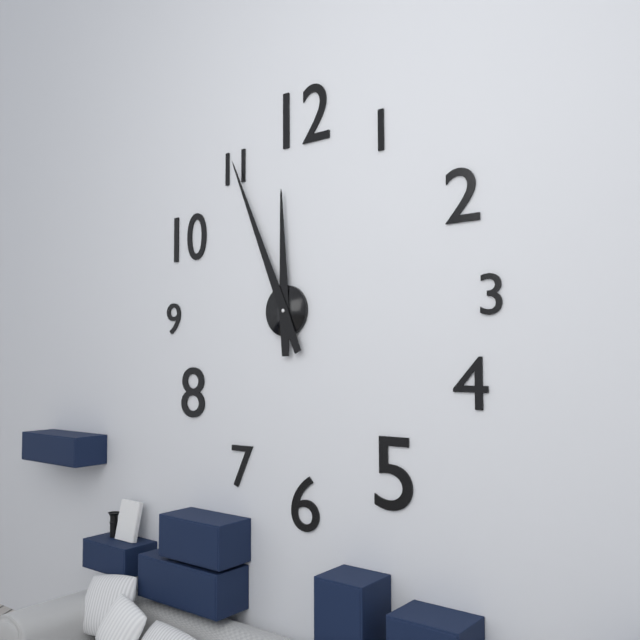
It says 11 h 56 min
